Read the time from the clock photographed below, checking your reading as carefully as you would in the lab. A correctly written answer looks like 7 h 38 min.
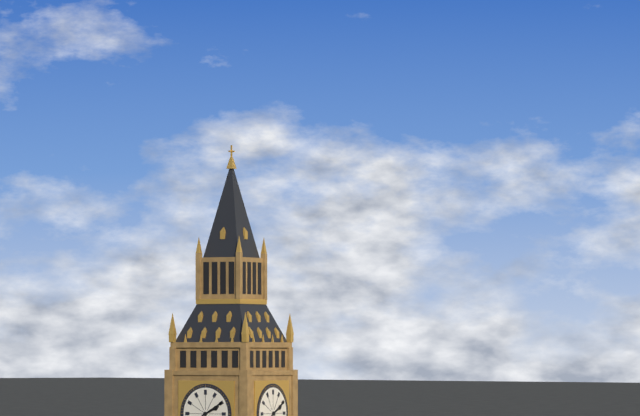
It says 2 h 10 min
